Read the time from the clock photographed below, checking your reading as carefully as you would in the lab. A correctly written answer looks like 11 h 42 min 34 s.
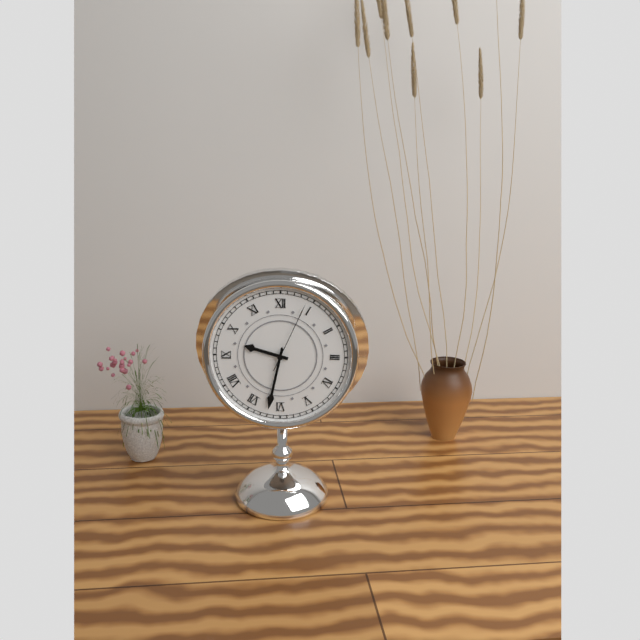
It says 9 h 32 min 04 s
